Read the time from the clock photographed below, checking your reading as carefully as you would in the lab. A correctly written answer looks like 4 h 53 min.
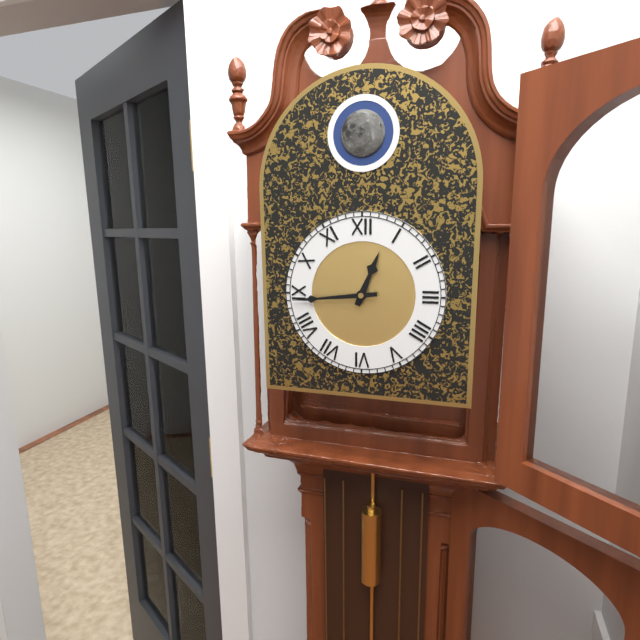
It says 12 h 44 min
